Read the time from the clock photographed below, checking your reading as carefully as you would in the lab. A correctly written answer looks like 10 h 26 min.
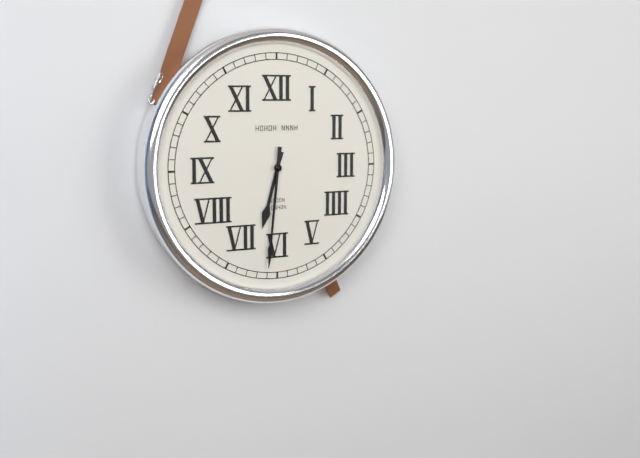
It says 6 h 31 min
